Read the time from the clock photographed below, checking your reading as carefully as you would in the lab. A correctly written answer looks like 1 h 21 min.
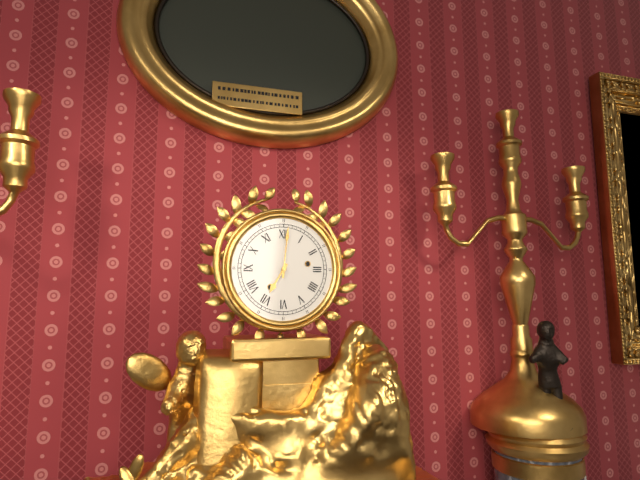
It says 7 h 01 min
